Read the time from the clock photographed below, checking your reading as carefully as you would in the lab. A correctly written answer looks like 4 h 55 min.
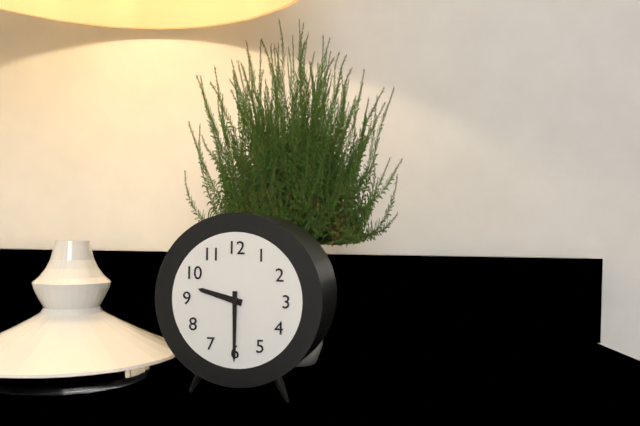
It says 9 h 30 min
